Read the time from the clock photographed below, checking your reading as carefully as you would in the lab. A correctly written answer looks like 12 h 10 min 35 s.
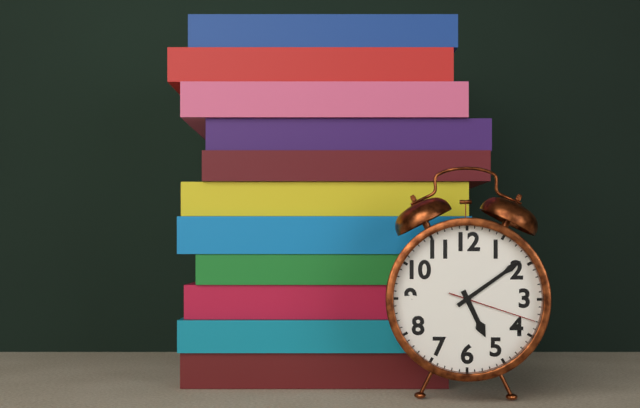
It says 5 h 09 min 18 s
